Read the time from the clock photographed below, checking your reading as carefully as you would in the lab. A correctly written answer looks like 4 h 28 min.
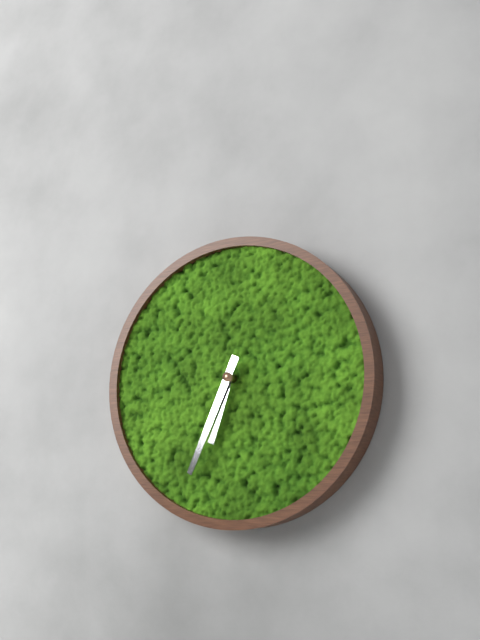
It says 6 h 34 min
